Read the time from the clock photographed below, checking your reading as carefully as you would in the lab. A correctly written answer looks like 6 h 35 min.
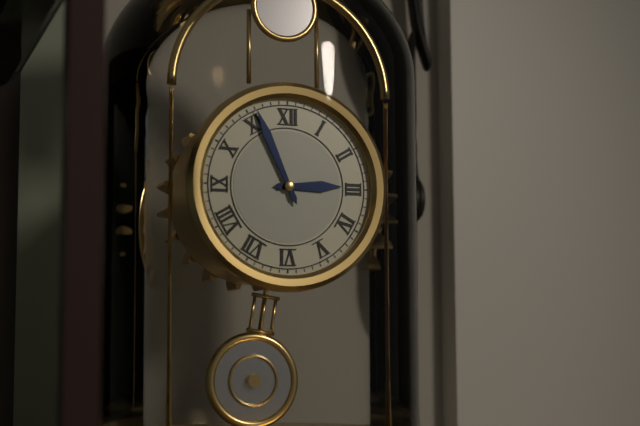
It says 2 h 56 min
